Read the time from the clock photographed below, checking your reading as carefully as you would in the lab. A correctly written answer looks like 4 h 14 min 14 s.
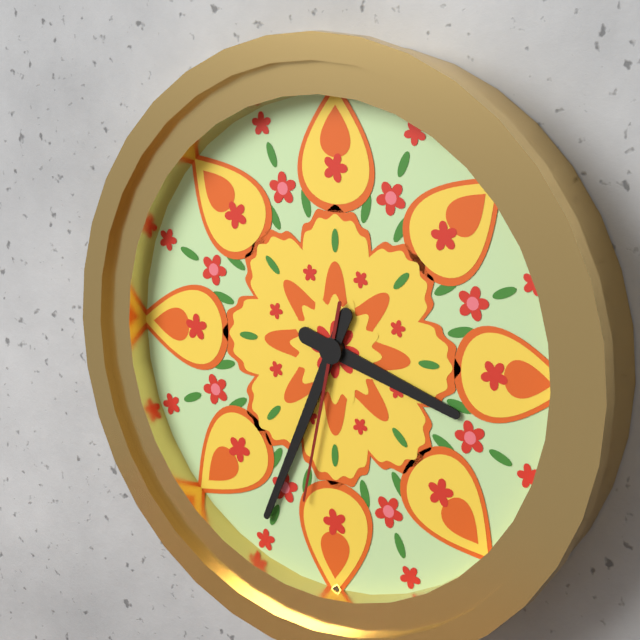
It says 3 h 34 min 32 s
